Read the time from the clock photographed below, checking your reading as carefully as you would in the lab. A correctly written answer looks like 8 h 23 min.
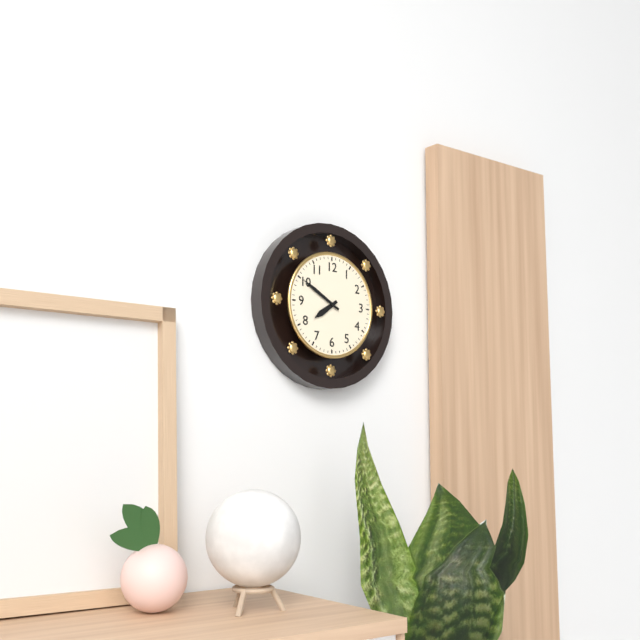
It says 7 h 50 min
